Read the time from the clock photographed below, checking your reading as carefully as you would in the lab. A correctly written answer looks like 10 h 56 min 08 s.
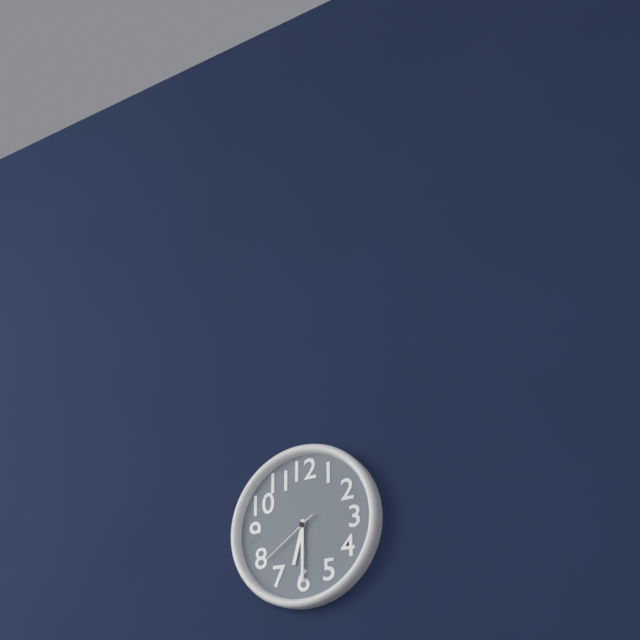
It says 6 h 30 min 39 s
